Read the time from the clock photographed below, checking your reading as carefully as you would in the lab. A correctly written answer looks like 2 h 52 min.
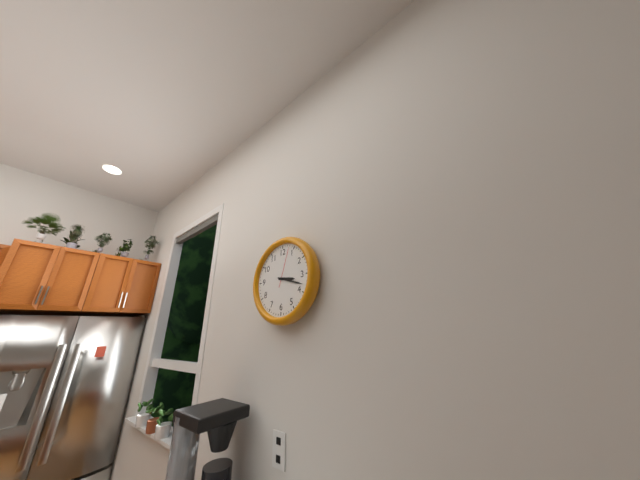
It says 3 h 18 min
